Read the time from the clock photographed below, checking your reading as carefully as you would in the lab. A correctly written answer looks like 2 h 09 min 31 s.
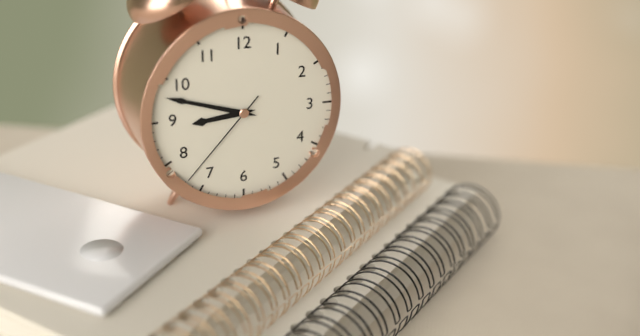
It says 8 h 48 min 37 s
